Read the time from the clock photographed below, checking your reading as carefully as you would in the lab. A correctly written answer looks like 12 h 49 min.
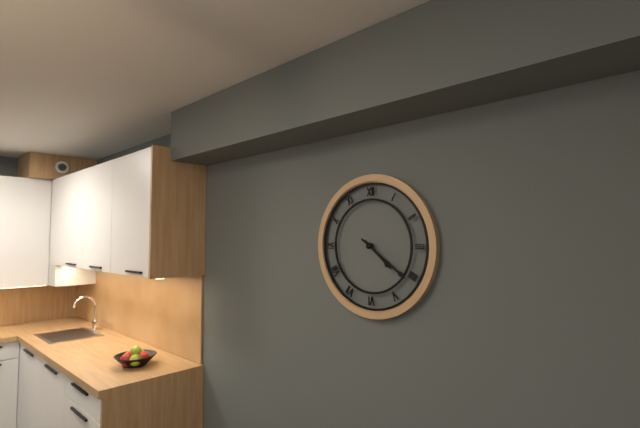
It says 4 h 21 min
